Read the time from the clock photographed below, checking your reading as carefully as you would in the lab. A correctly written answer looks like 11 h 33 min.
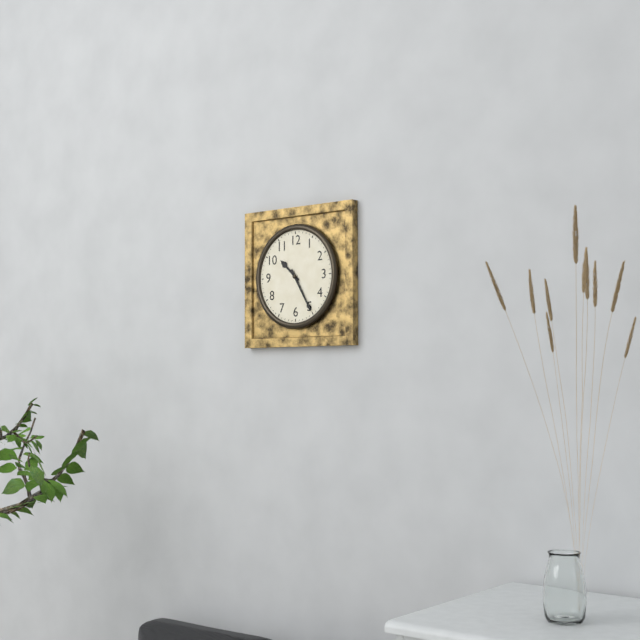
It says 10 h 25 min
